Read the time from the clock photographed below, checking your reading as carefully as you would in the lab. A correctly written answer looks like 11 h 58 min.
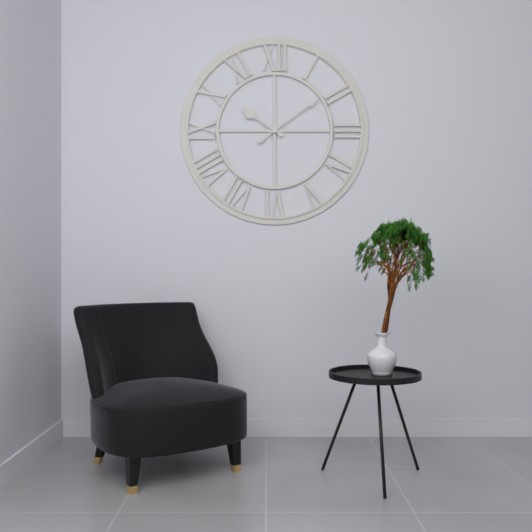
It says 10 h 09 min
